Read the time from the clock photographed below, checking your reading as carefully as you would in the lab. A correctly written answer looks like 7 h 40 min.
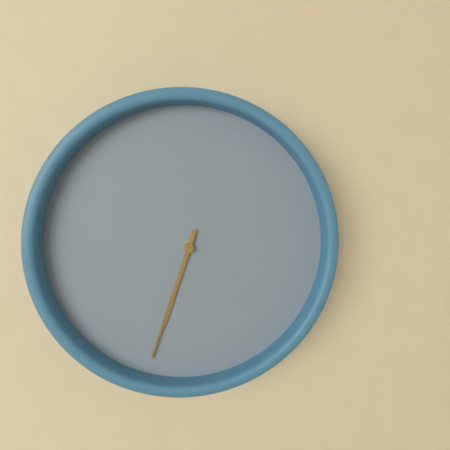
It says 6 h 33 min
